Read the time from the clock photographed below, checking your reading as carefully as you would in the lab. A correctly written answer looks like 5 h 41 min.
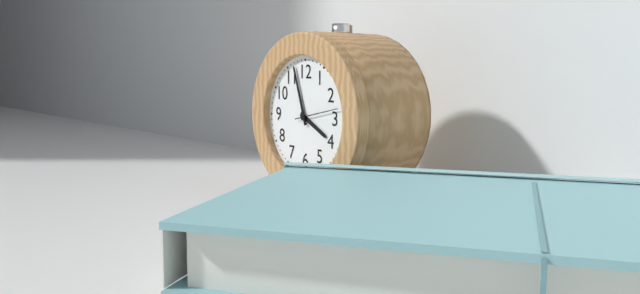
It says 3 h 57 min
